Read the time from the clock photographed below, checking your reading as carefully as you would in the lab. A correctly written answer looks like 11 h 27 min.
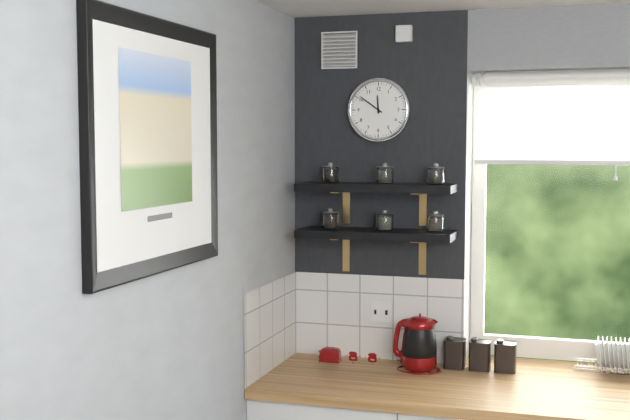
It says 11 h 51 min
